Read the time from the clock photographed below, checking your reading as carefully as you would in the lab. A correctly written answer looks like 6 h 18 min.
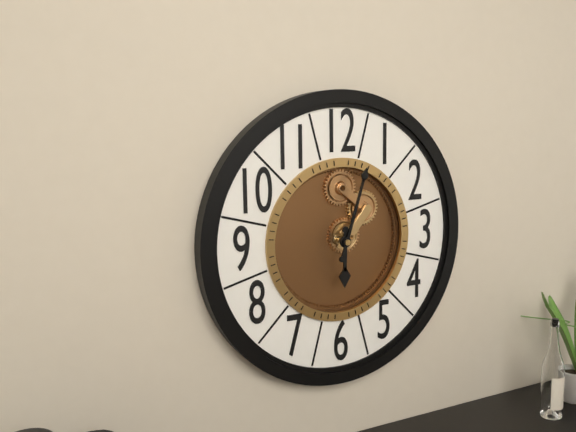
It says 6 h 03 min
